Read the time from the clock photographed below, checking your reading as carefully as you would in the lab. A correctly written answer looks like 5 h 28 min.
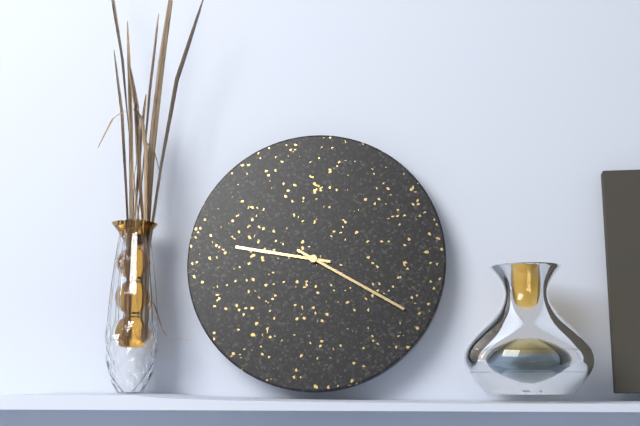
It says 9 h 20 min
